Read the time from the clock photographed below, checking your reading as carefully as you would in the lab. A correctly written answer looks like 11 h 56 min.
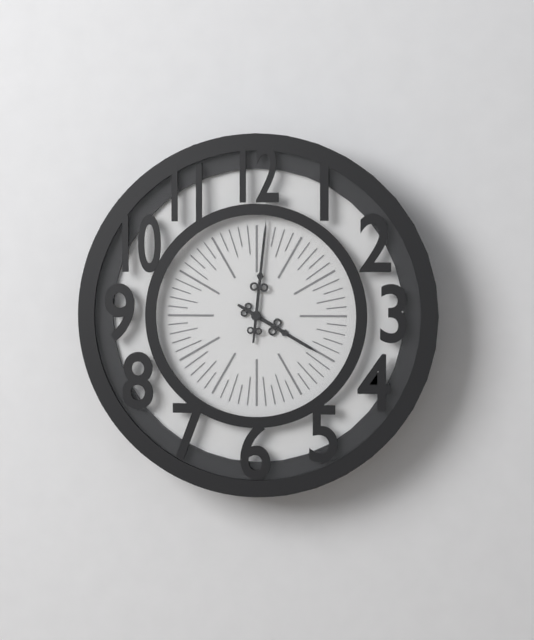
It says 4 h 01 min
